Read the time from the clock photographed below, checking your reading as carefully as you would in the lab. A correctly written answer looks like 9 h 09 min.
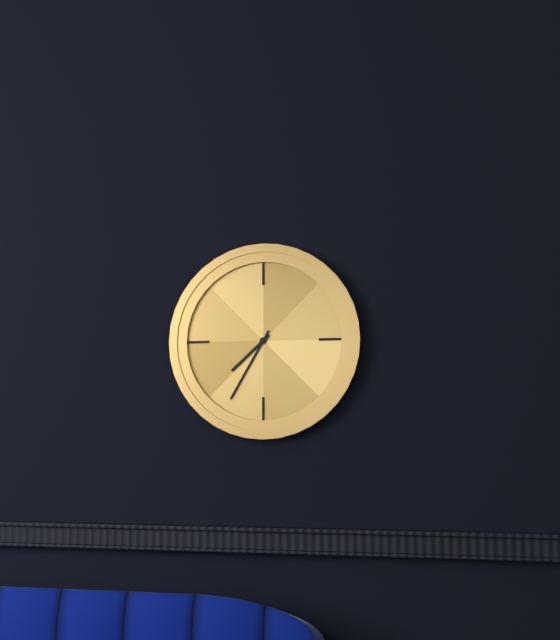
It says 7 h 35 min
